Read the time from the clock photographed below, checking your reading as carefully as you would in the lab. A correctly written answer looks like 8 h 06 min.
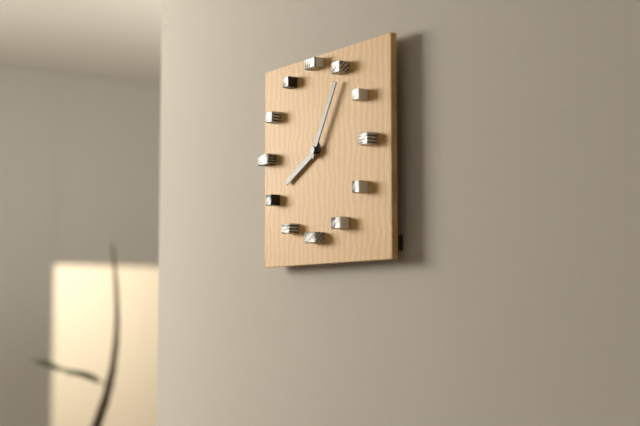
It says 8 h 05 min
